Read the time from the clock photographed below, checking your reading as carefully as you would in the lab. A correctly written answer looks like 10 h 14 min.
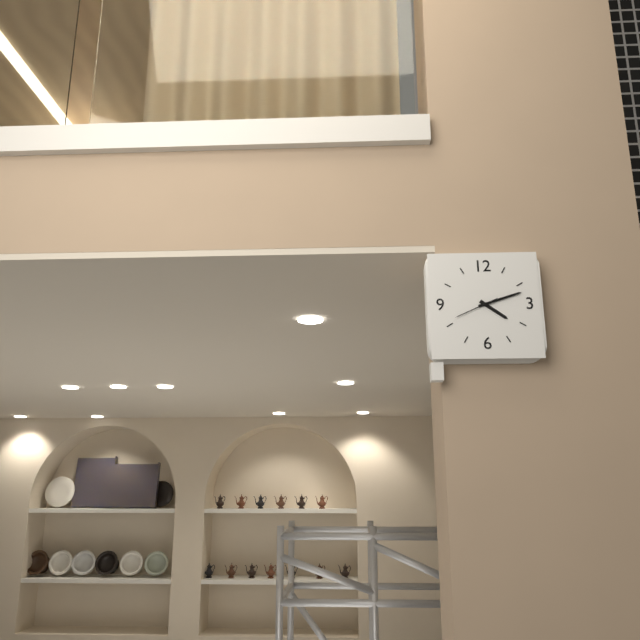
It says 4 h 12 min
